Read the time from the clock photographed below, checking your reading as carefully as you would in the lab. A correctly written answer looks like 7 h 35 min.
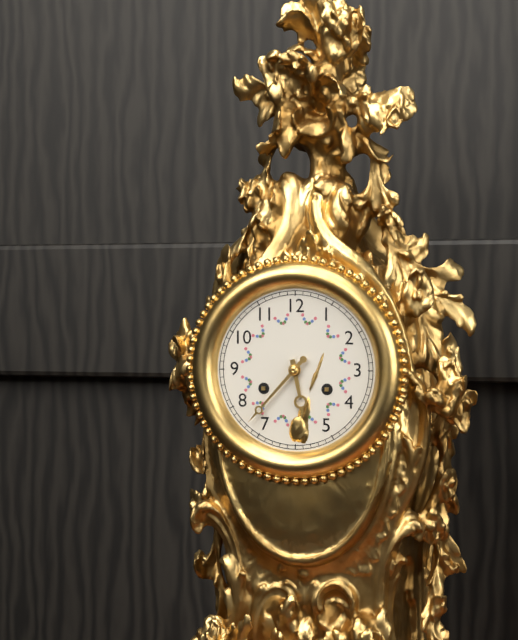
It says 5 h 37 min
